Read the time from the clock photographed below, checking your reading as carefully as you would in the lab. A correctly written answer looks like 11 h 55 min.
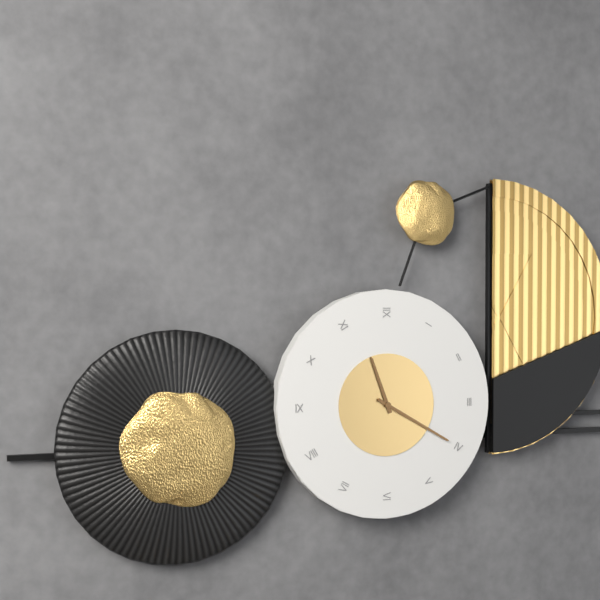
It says 11 h 20 min
